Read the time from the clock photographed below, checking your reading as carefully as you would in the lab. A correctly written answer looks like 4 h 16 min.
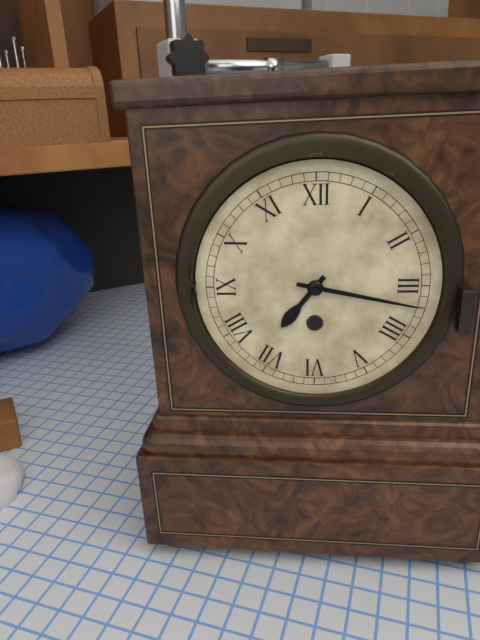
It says 7 h 17 min
